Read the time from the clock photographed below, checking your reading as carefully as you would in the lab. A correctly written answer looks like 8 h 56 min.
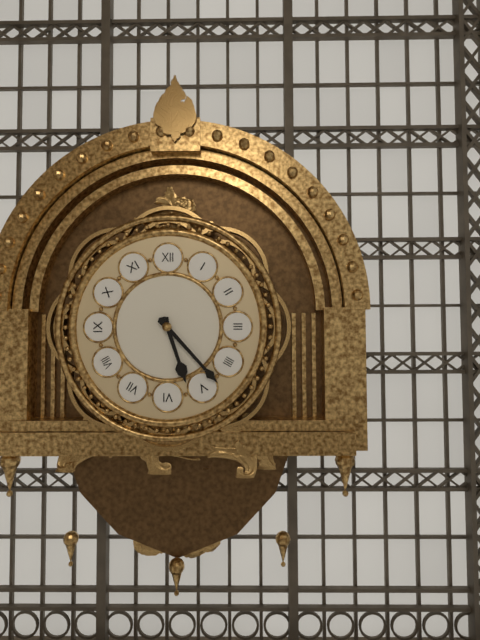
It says 5 h 23 min
